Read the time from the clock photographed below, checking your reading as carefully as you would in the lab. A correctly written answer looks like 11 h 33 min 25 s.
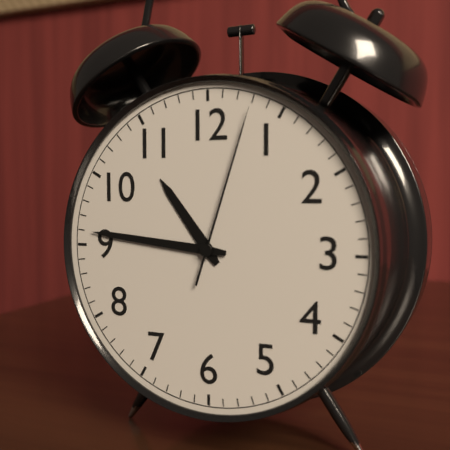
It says 10 h 46 min 03 s
